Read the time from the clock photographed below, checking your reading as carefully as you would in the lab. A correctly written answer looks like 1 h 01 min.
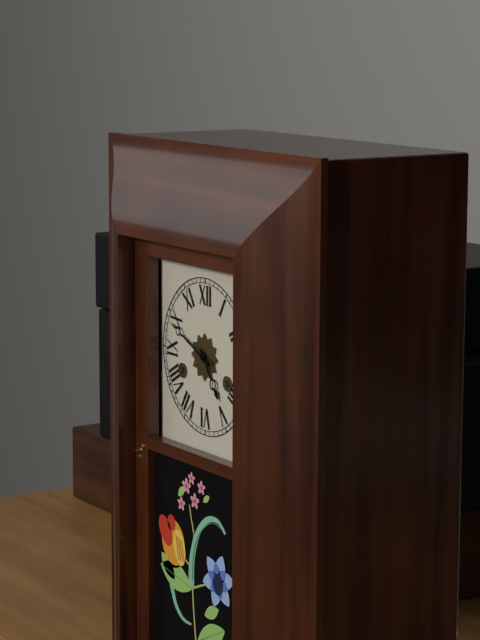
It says 4 h 49 min
